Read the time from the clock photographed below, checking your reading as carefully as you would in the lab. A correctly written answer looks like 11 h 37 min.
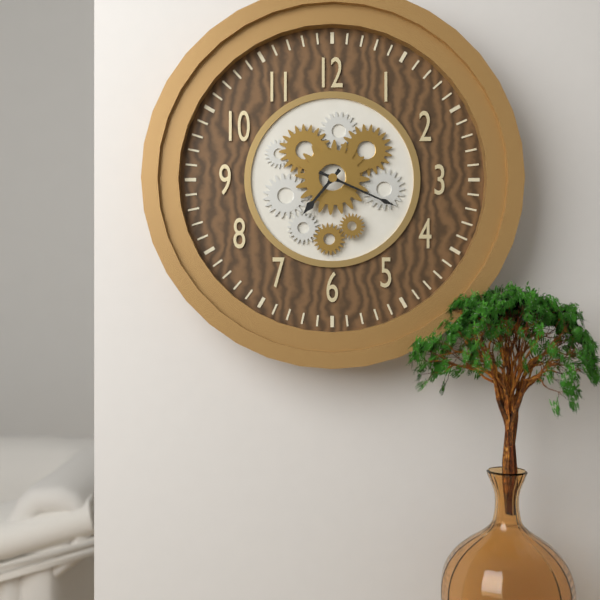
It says 7 h 19 min
